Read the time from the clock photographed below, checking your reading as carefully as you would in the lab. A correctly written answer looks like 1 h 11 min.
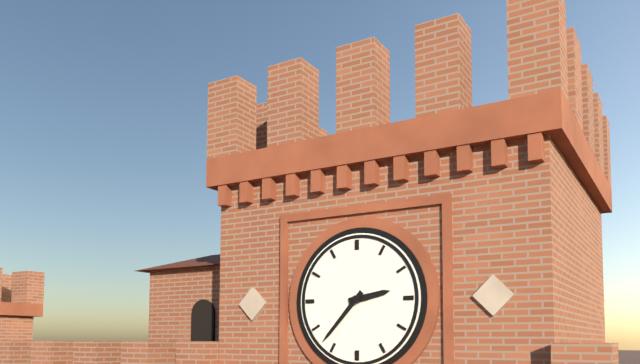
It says 2 h 37 min
